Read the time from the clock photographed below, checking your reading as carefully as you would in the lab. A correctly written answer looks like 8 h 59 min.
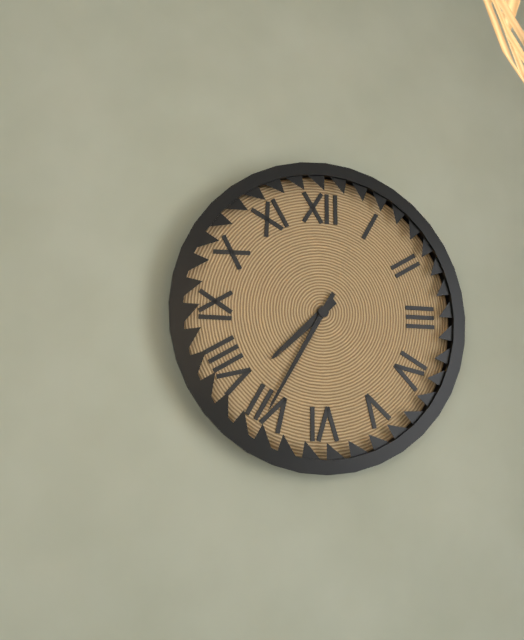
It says 7 h 35 min
